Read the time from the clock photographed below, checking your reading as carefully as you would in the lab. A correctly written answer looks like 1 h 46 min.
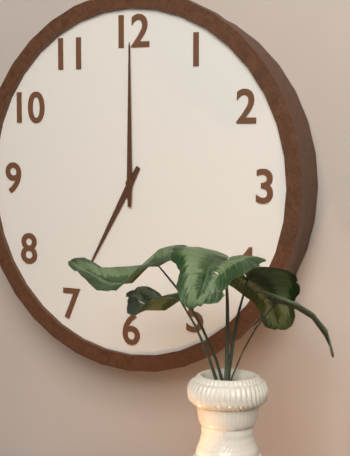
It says 7 h 00 min
